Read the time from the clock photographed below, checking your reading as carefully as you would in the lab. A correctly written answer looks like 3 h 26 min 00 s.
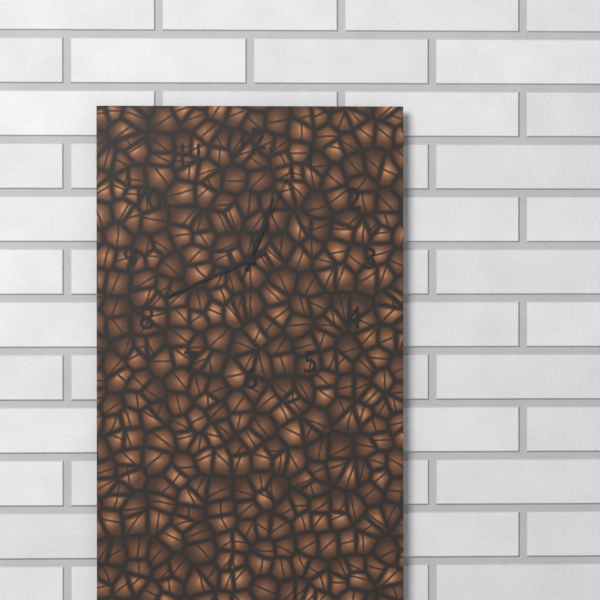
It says 12 h 41 min 04 s
